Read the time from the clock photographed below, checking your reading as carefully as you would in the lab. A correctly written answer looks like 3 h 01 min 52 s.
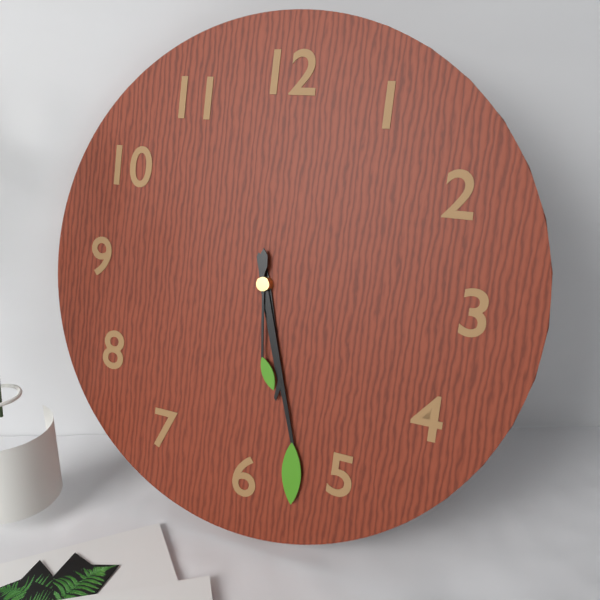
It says 5 h 27 min 29 s
